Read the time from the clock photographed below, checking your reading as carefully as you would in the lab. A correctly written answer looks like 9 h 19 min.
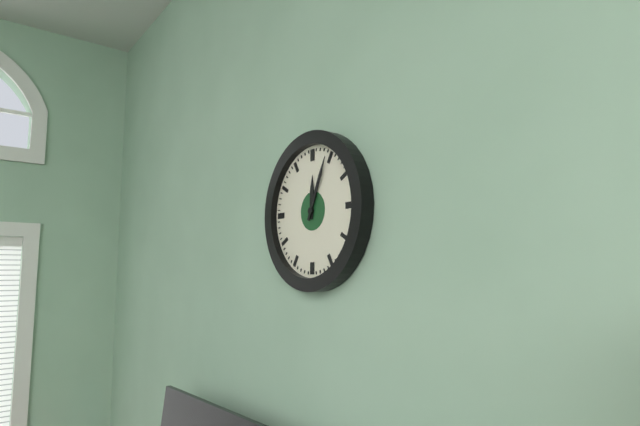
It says 12 h 04 min
